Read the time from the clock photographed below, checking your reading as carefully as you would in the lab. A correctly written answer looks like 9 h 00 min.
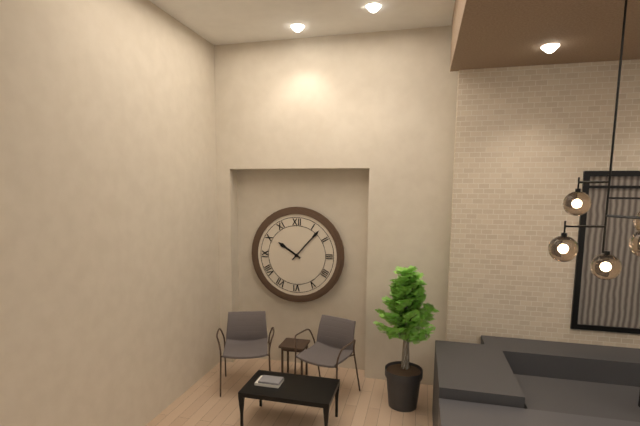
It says 10 h 07 min
